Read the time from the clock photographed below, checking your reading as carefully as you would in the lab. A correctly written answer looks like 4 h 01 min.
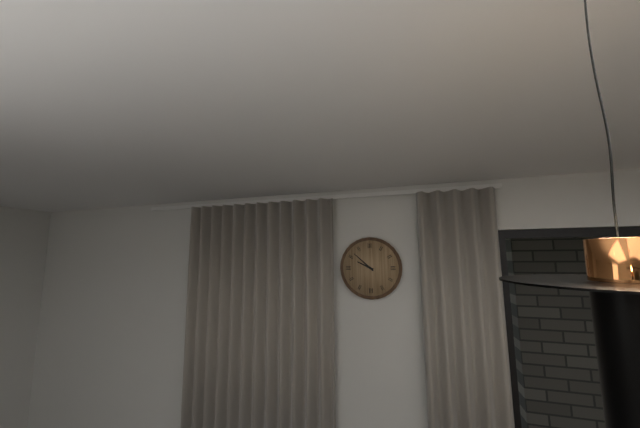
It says 9 h 52 min
